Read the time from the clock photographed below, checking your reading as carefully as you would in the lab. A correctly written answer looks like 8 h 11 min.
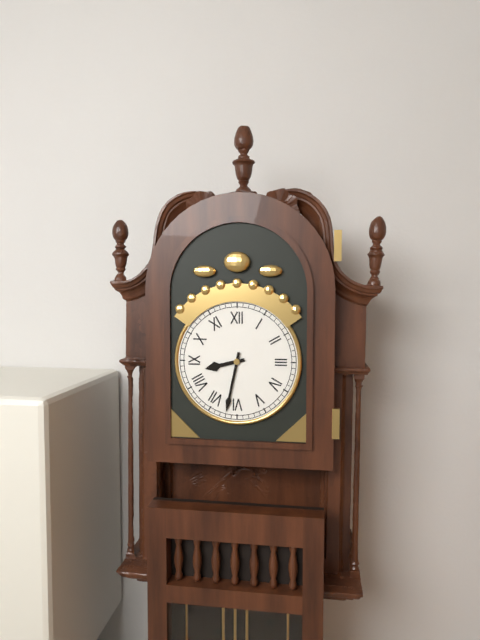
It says 8 h 32 min
